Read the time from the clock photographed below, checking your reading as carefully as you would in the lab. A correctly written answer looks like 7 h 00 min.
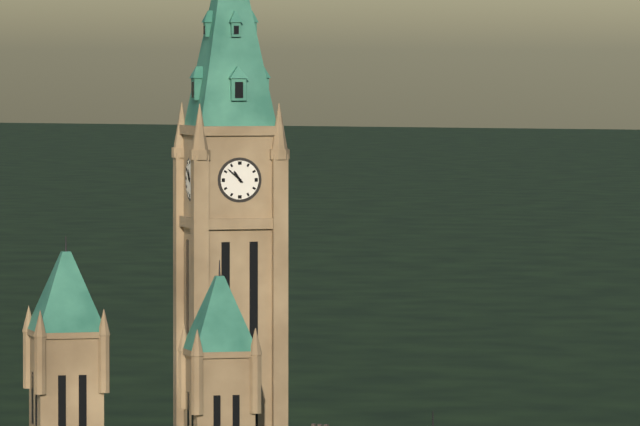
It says 10 h 52 min
